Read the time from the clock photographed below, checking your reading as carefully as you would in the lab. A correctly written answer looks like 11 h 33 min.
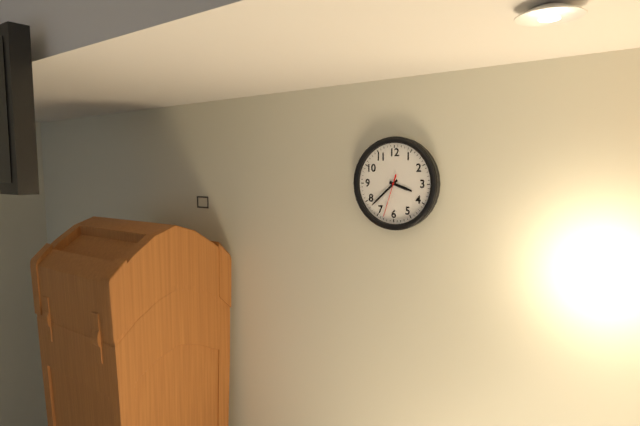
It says 3 h 38 min
